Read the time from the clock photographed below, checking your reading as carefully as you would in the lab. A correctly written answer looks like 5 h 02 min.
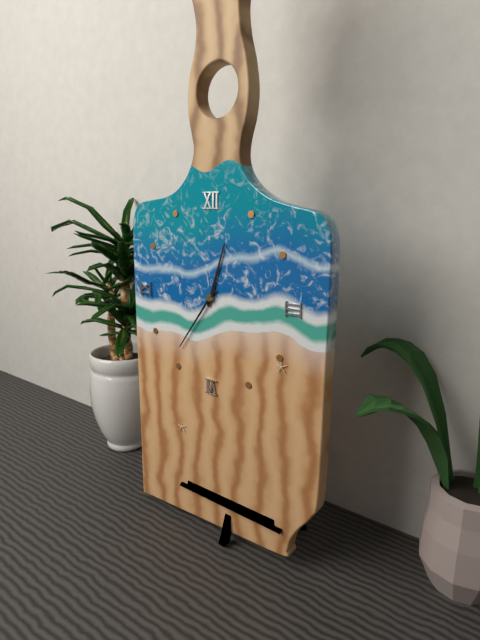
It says 12 h 36 min
